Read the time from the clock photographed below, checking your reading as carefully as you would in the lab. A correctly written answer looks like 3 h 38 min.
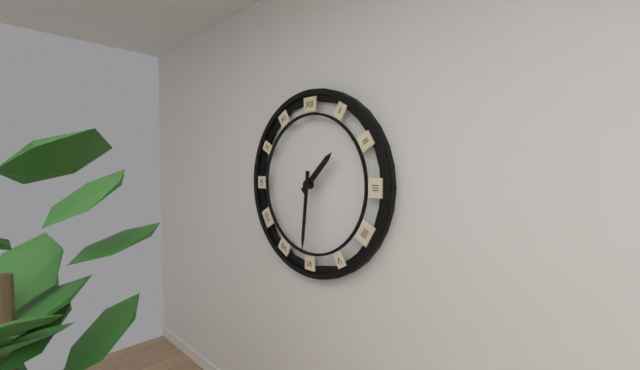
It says 1 h 31 min
